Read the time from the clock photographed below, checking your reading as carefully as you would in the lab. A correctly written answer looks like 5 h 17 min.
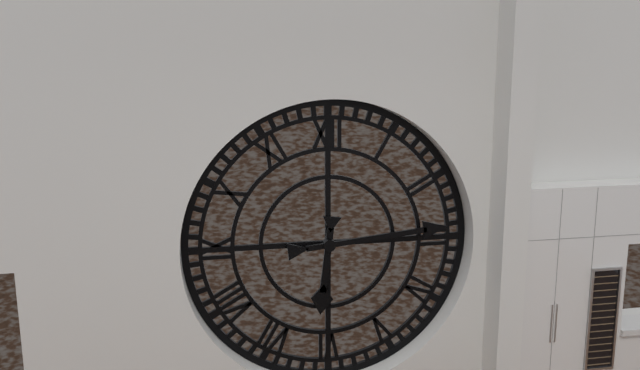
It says 6 h 14 min
